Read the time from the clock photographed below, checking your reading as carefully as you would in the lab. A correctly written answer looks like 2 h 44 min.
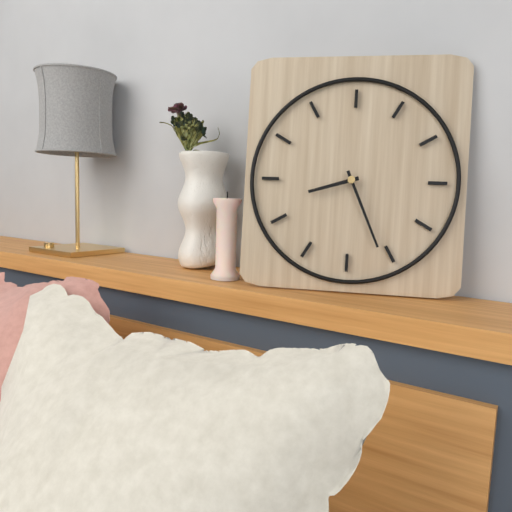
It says 8 h 26 min
